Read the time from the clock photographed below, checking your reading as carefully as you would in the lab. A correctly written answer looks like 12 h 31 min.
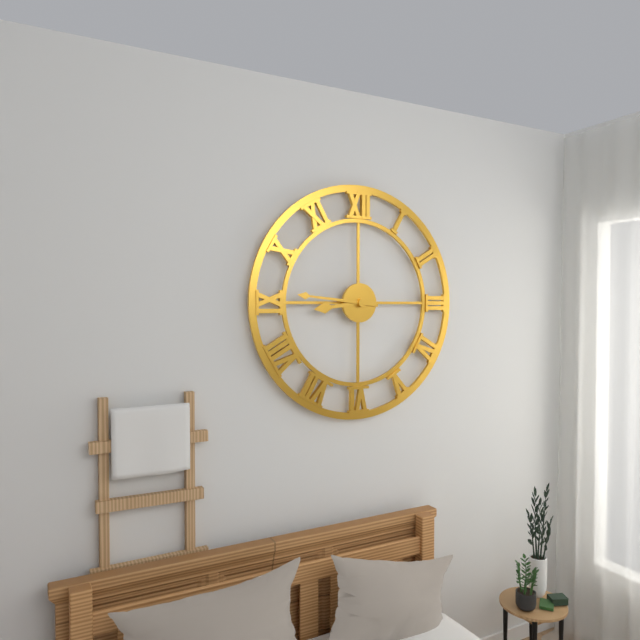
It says 8 h 46 min
